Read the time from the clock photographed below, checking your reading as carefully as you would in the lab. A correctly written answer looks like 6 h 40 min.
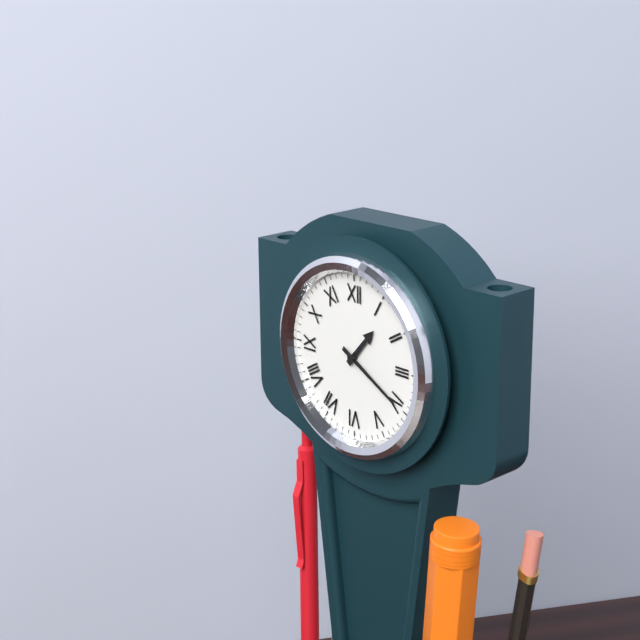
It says 1 h 20 min
